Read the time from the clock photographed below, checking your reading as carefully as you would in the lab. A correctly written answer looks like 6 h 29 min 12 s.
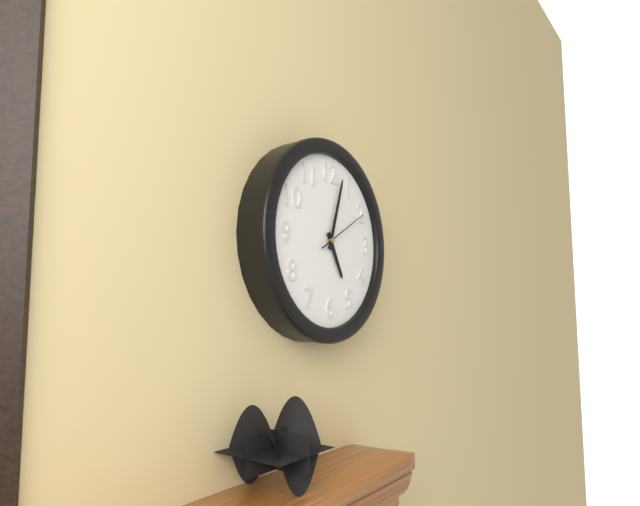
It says 5 h 03 min 10 s
